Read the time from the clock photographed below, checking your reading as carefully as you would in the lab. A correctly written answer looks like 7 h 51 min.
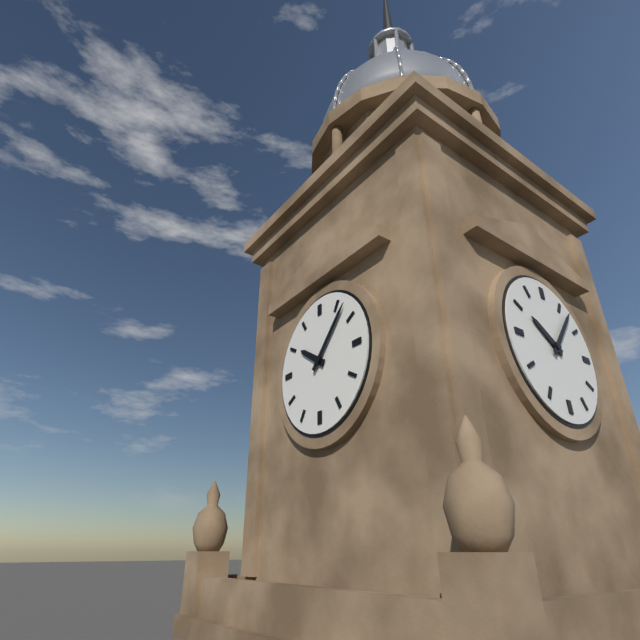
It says 10 h 07 min
